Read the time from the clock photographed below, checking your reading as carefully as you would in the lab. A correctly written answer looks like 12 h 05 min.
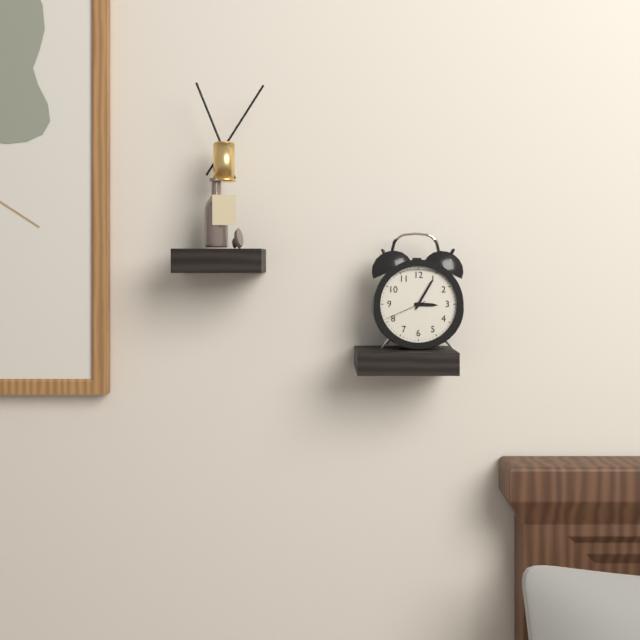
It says 3 h 05 min
